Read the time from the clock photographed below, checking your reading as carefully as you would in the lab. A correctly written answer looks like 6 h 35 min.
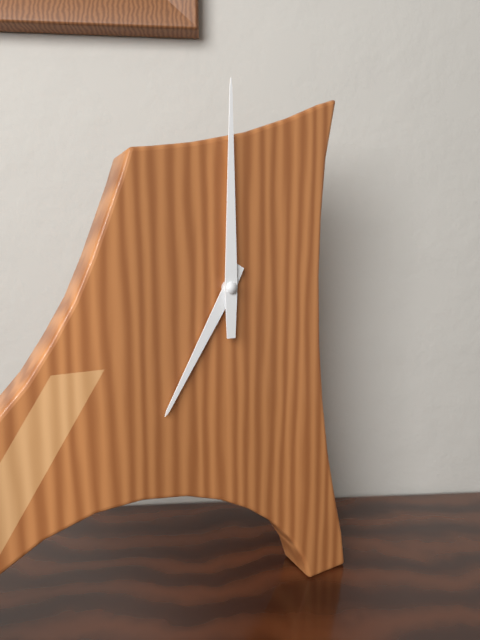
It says 7 h 00 min
